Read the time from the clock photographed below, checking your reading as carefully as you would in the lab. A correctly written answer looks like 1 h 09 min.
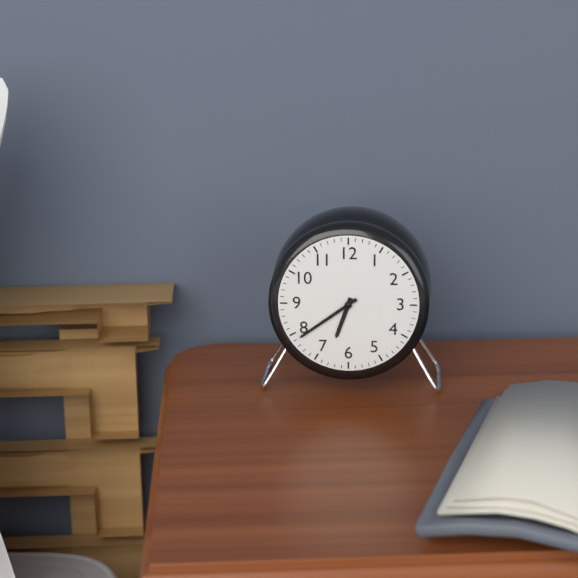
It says 6 h 39 min
